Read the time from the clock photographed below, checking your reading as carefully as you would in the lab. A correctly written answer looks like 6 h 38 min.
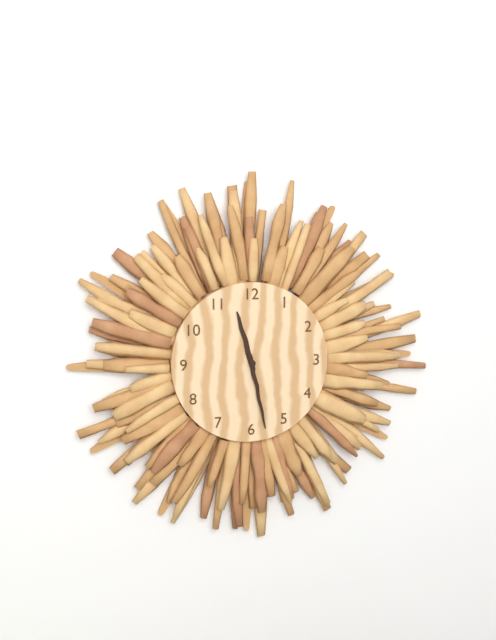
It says 11 h 28 min
